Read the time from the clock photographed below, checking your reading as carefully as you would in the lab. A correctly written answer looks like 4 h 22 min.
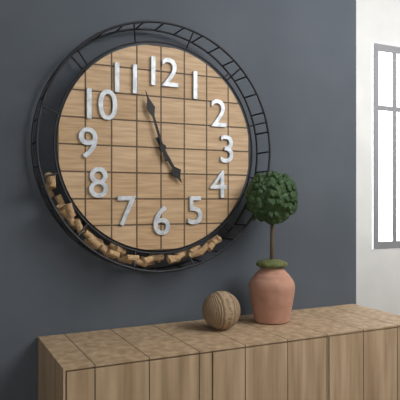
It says 4 h 57 min
